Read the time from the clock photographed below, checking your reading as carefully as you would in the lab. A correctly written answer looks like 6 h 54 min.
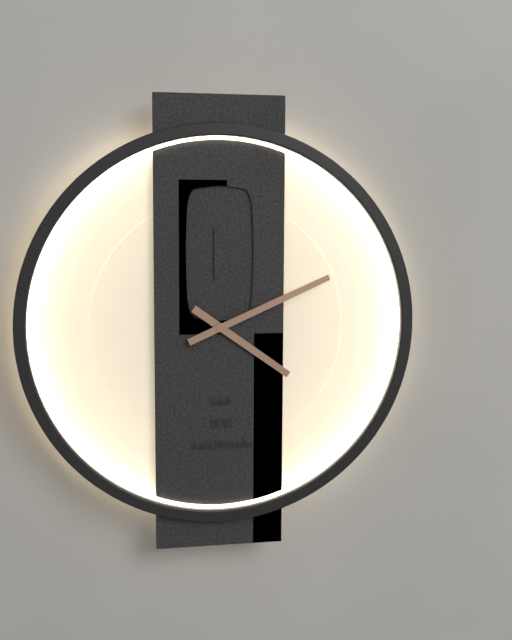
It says 4 h 11 min
